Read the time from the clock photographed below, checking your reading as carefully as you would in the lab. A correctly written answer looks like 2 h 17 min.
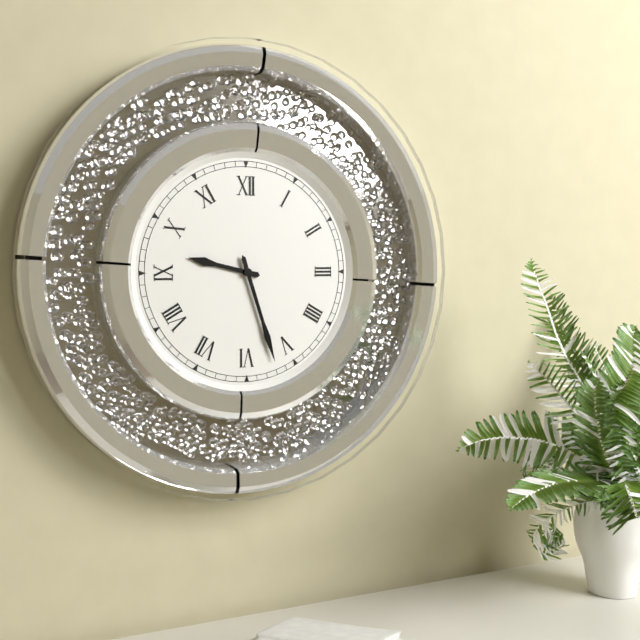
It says 9 h 27 min
